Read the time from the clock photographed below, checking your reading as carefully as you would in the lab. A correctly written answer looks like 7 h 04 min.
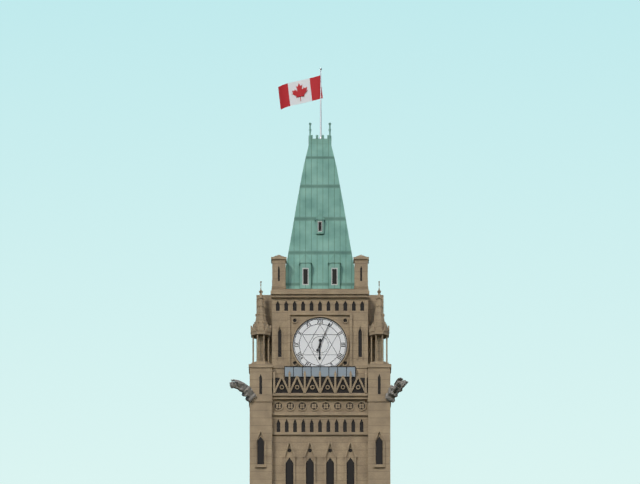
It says 6 h 04 min
